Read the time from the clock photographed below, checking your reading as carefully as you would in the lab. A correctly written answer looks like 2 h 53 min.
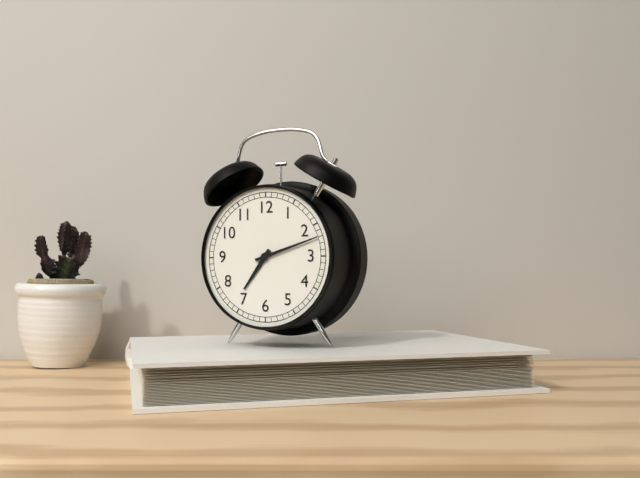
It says 7 h 12 min
